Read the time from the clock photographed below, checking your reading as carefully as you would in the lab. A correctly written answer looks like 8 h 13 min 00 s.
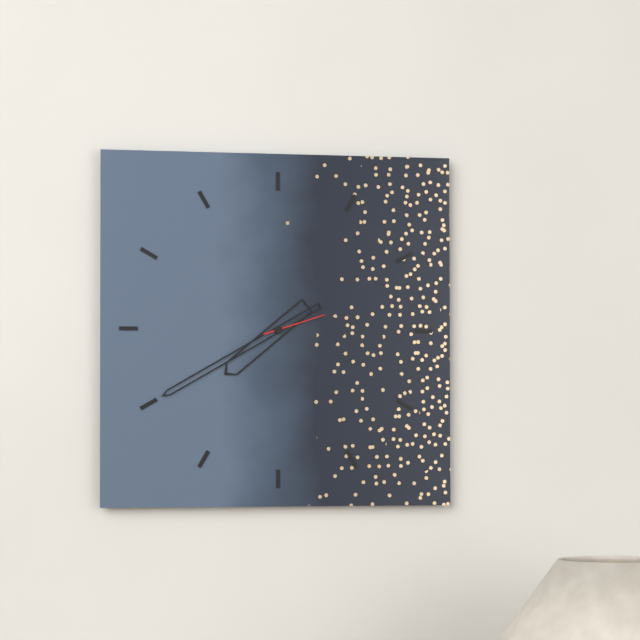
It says 7 h 40 min 12 s
